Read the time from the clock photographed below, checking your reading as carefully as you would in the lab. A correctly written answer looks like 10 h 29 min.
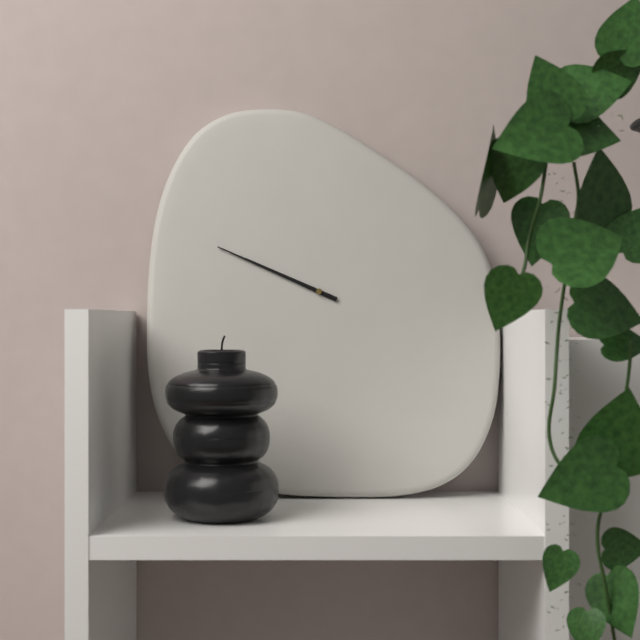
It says 9 h 49 min
